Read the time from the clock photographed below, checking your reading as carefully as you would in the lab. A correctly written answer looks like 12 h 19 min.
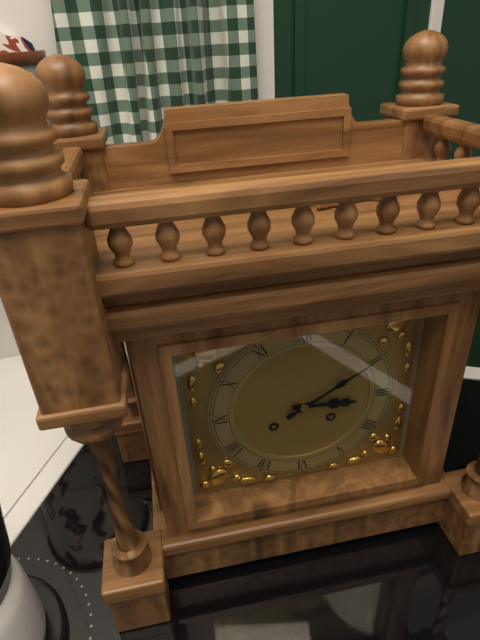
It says 3 h 10 min
